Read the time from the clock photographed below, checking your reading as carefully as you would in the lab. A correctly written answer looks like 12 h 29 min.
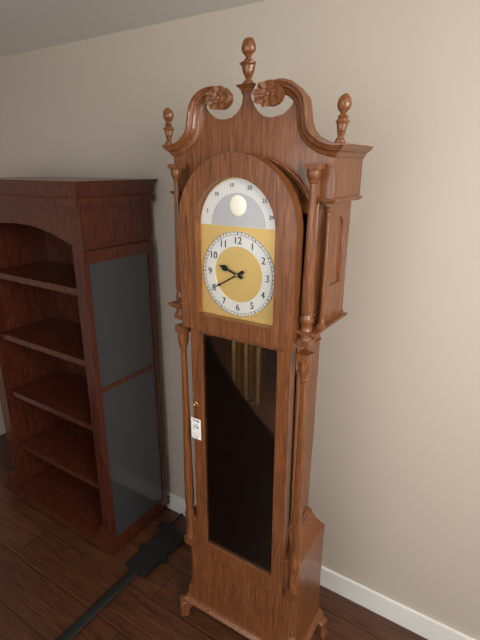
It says 9 h 40 min
